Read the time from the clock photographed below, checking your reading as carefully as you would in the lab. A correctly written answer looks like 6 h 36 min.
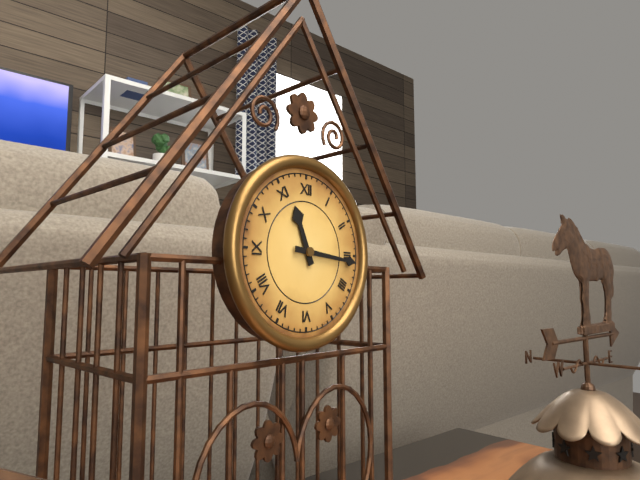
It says 11 h 16 min
